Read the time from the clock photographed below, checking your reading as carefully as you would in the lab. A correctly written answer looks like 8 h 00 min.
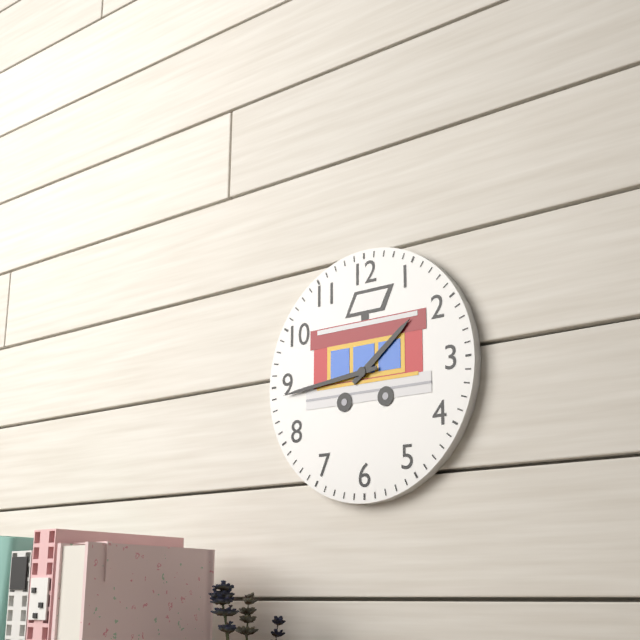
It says 1 h 44 min
